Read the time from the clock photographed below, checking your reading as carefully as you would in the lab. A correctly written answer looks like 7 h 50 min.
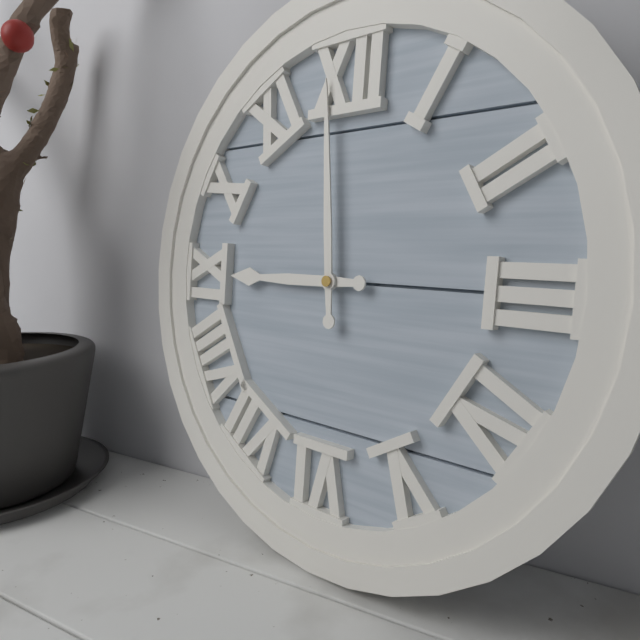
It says 8 h 59 min
